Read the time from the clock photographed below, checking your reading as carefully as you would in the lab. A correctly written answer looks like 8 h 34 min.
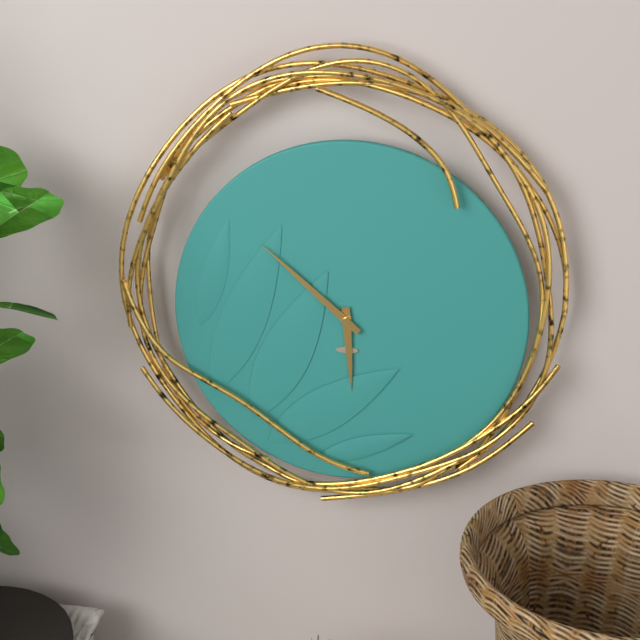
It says 5 h 52 min
